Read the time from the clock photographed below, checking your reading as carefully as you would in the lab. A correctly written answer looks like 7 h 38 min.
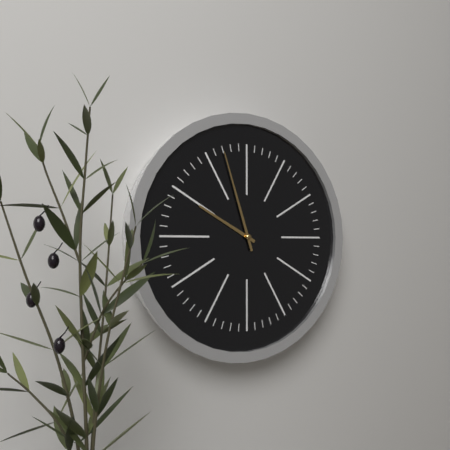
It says 9 h 57 min
